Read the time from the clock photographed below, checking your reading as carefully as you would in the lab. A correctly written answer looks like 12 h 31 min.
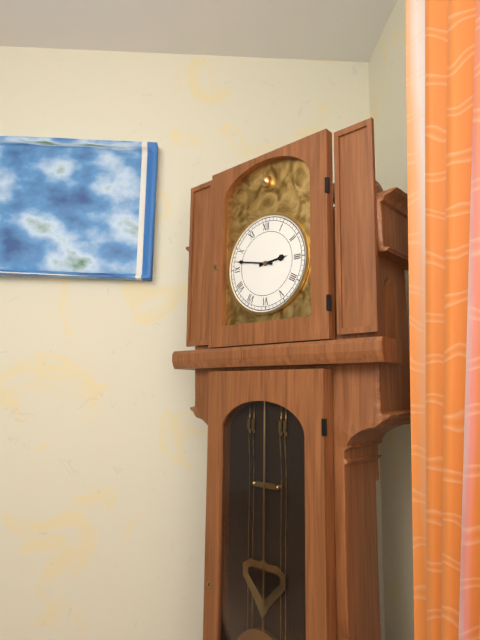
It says 2 h 47 min
